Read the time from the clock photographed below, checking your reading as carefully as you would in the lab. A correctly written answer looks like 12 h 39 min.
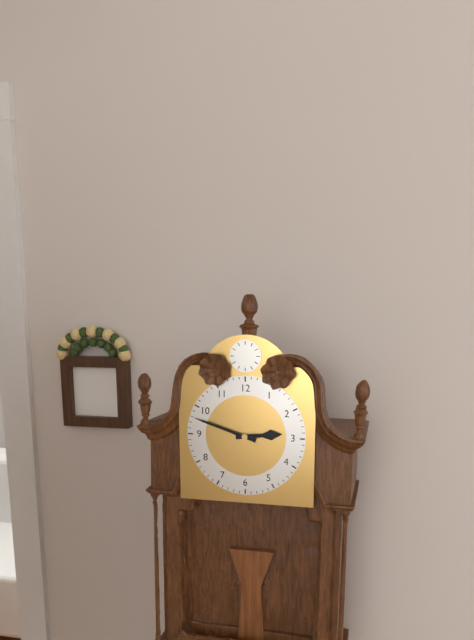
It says 2 h 48 min
